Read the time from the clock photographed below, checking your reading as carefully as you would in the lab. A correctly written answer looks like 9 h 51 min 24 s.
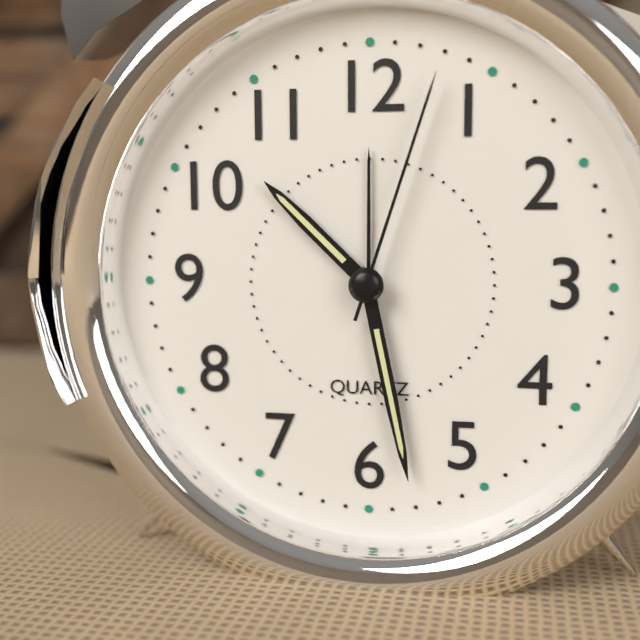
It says 10 h 28 min 03 s
